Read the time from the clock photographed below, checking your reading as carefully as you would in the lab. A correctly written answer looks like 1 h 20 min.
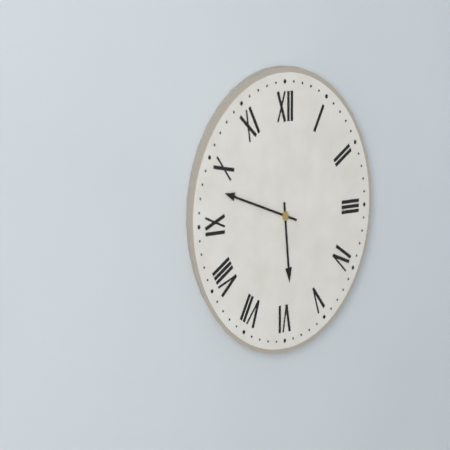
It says 5 h 48 min
